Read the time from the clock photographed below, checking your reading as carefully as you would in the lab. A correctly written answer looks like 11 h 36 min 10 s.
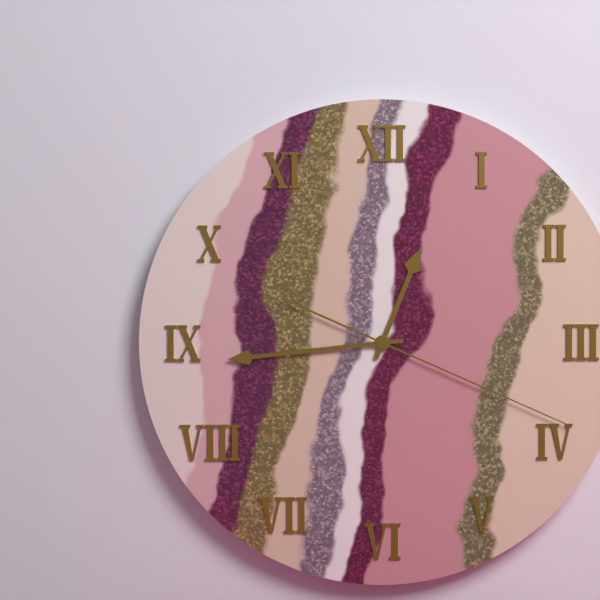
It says 12 h 44 min 19 s
